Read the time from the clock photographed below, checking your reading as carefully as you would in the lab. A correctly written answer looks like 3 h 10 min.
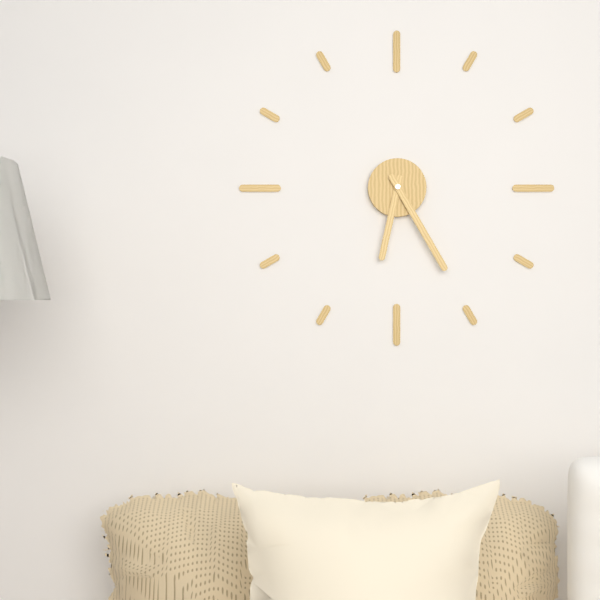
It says 6 h 25 min
